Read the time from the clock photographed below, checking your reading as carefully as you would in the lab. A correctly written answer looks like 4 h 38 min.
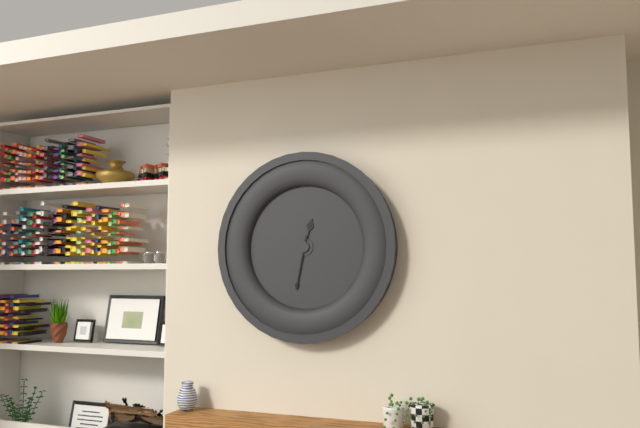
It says 12 h 32 min
